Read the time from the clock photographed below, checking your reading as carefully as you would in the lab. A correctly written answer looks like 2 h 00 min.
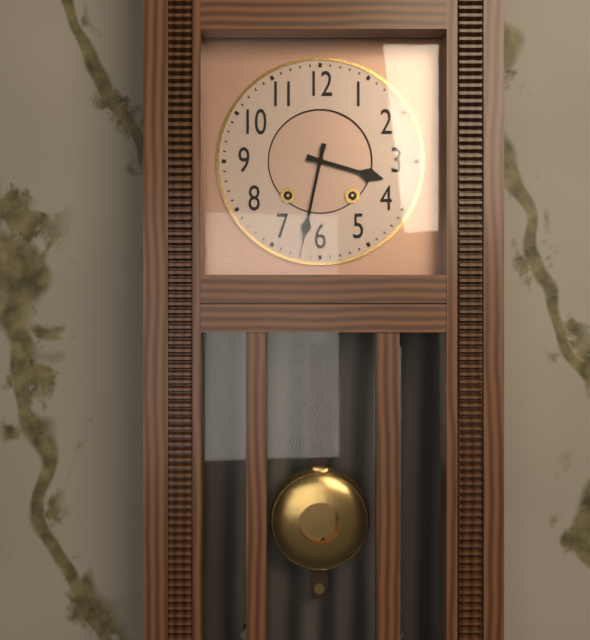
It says 3 h 32 min
